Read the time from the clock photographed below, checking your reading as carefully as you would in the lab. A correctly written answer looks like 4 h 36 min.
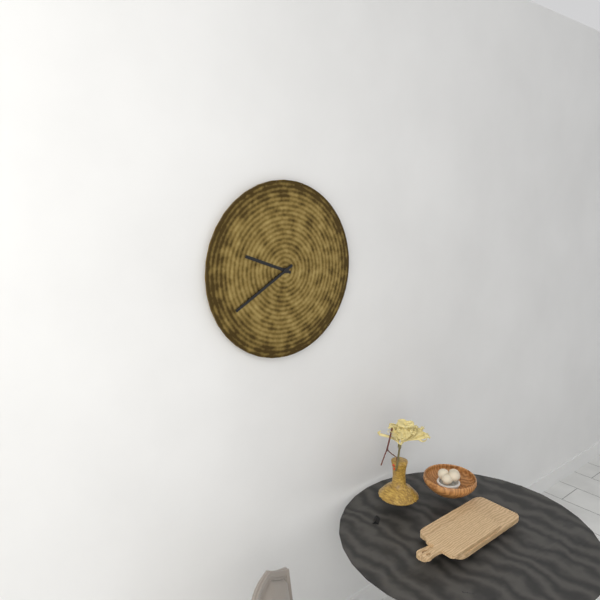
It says 9 h 40 min
